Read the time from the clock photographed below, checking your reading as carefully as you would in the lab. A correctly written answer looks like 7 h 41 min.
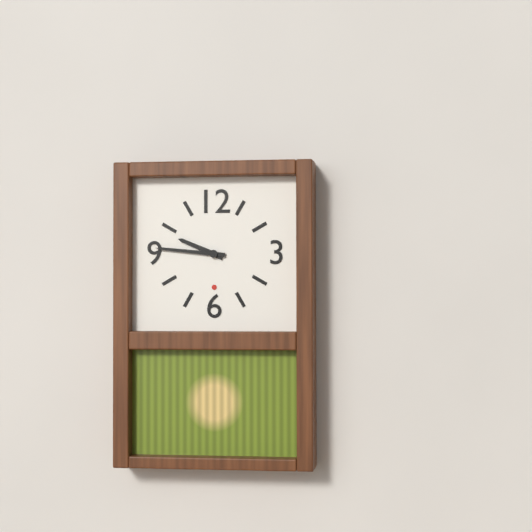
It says 9 h 46 min
